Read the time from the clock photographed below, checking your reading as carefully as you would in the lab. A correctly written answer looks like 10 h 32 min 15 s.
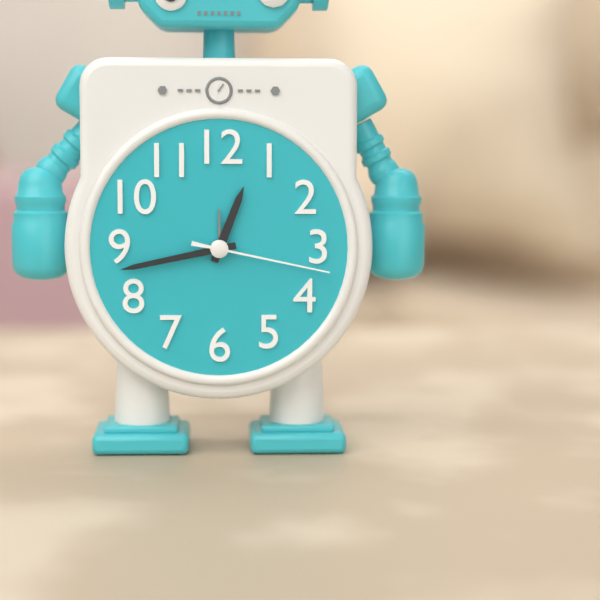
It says 12 h 43 min 17 s
